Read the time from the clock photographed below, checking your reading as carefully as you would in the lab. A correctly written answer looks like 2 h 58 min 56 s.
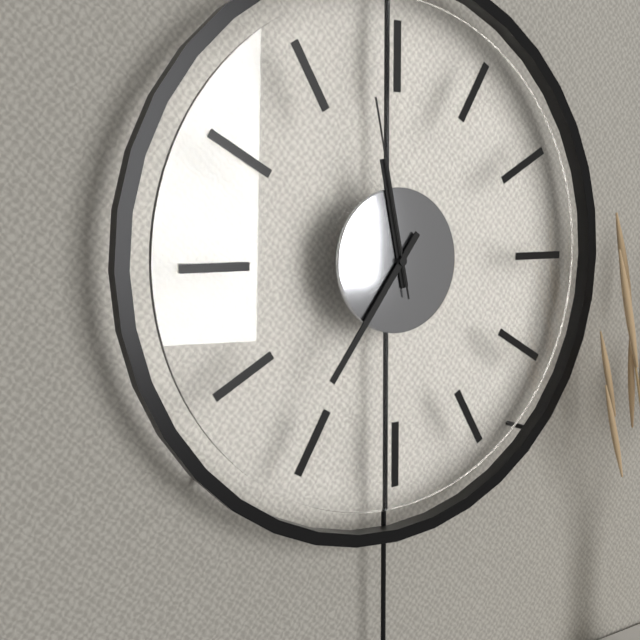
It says 11 h 36 min 58 s
